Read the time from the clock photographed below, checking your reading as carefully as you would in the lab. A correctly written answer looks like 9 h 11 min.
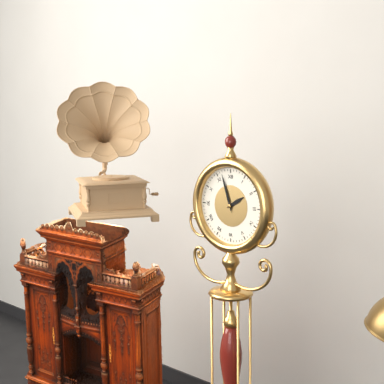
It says 1 h 57 min
